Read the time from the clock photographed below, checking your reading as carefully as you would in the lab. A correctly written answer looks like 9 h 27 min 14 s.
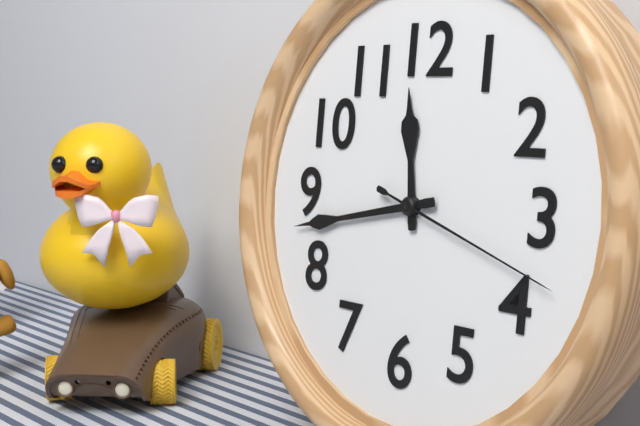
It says 11 h 43 min 18 s
